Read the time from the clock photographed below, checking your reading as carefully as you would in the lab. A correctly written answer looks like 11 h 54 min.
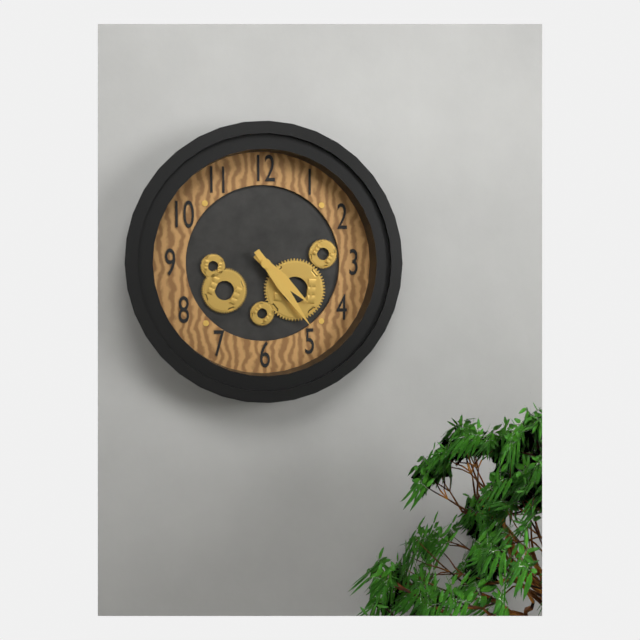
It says 4 h 24 min
